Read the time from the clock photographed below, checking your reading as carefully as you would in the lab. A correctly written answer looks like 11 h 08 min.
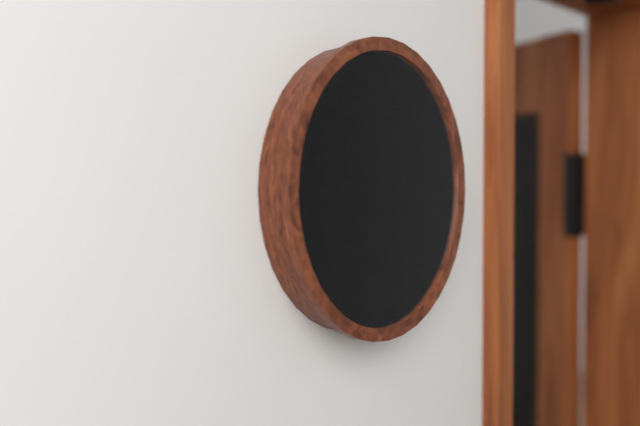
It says 11 h 34 min
